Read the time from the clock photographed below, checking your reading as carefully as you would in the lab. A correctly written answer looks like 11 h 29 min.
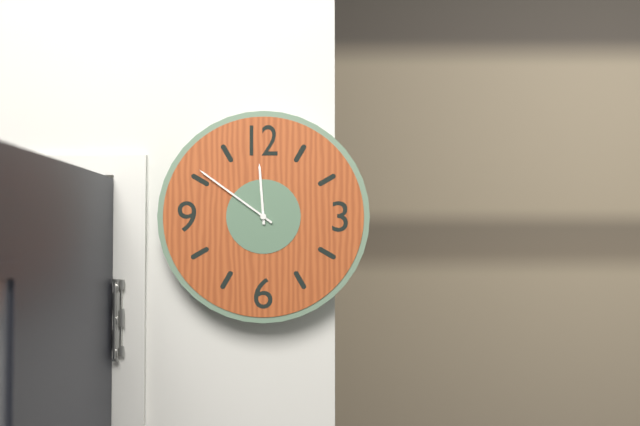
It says 11 h 51 min
